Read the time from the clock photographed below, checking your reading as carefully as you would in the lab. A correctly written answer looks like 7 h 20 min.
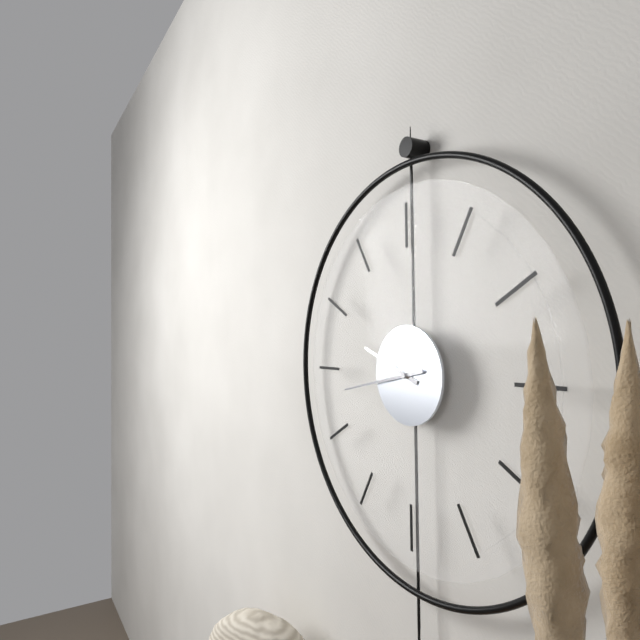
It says 9 h 43 min
